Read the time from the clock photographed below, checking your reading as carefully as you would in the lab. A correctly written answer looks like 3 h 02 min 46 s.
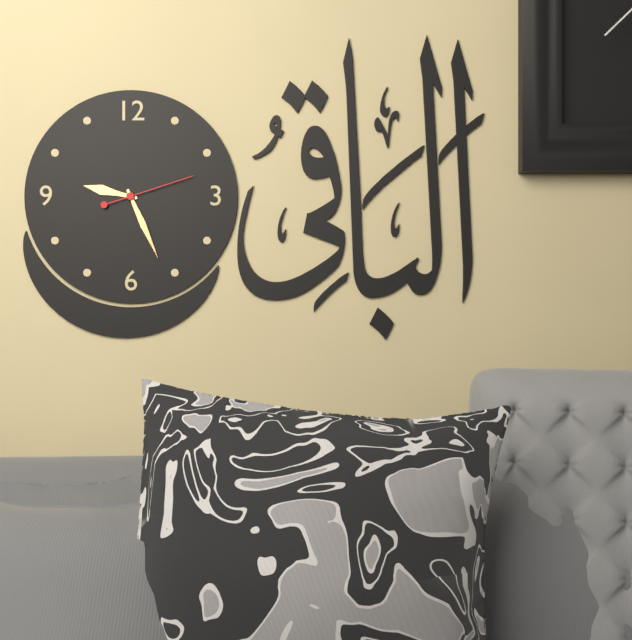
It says 9 h 26 min 12 s
